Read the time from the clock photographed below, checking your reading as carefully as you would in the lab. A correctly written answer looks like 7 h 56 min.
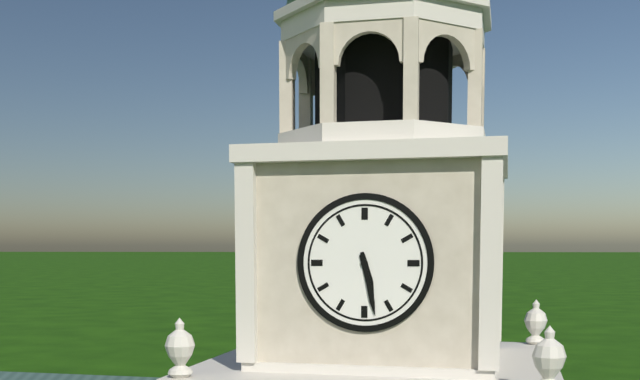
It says 5 h 28 min
